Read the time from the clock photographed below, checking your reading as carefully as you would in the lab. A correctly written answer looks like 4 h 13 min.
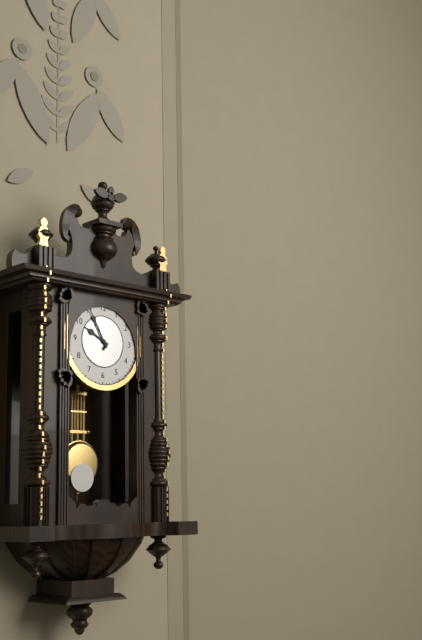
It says 9 h 55 min
